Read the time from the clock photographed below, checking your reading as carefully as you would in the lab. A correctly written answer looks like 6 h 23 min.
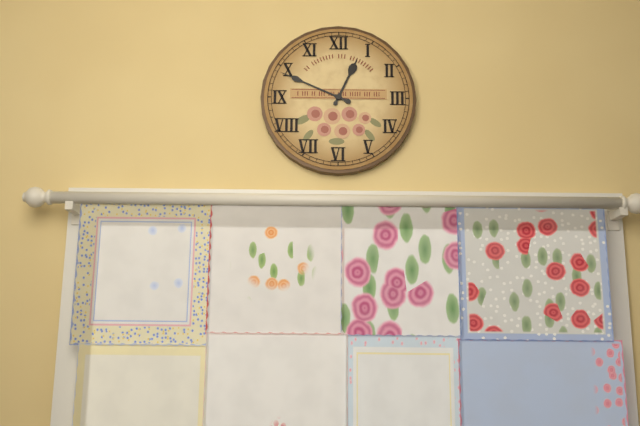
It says 12 h 49 min
